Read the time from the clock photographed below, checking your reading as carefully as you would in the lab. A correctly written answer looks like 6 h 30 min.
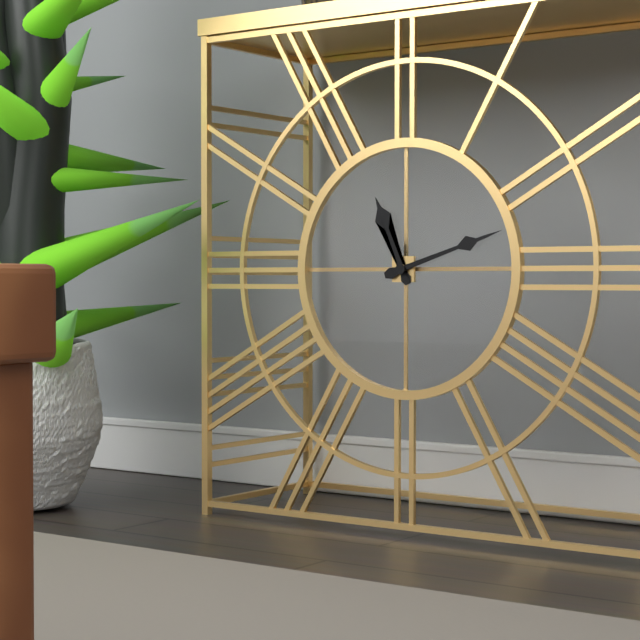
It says 11 h 12 min
